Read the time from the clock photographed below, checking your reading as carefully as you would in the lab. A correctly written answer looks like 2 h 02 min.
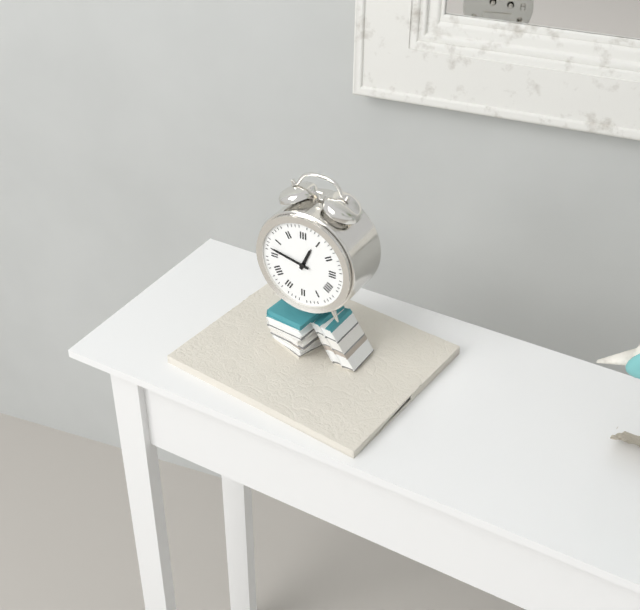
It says 12 h 47 min
